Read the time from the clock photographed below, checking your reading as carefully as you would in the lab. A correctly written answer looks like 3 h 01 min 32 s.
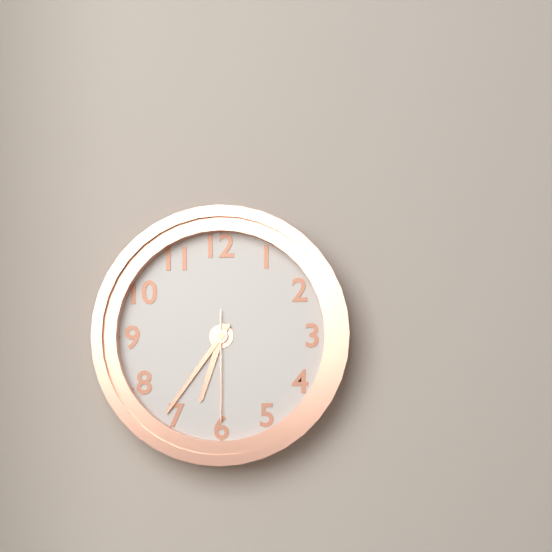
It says 6 h 36 min 30 s
